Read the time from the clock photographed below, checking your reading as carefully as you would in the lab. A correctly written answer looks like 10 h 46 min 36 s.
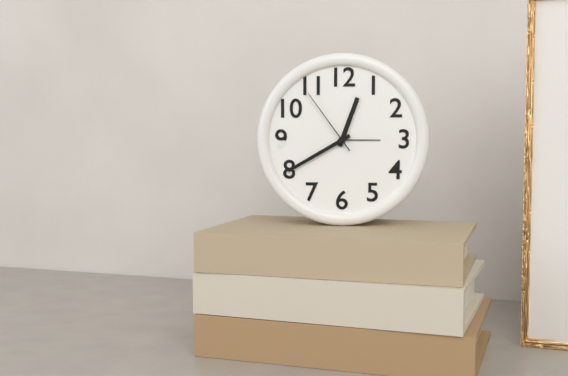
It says 12 h 40 min 54 s
